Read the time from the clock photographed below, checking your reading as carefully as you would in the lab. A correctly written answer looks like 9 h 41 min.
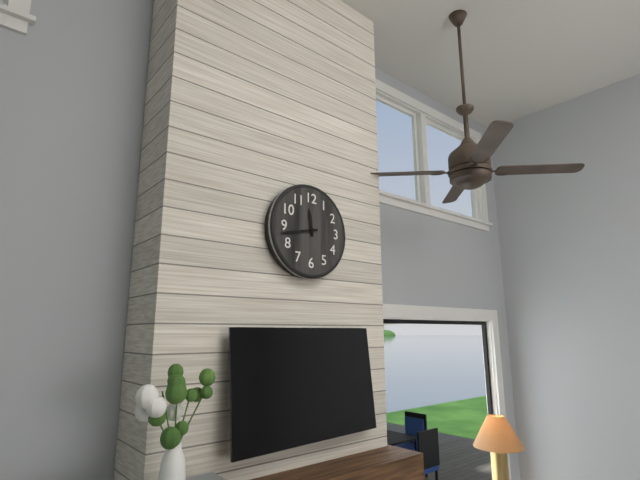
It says 11 h 43 min
